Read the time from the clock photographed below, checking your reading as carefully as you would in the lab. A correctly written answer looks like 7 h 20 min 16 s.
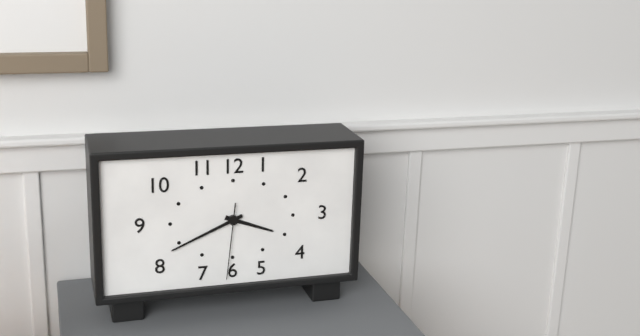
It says 3 h 41 min 31 s
